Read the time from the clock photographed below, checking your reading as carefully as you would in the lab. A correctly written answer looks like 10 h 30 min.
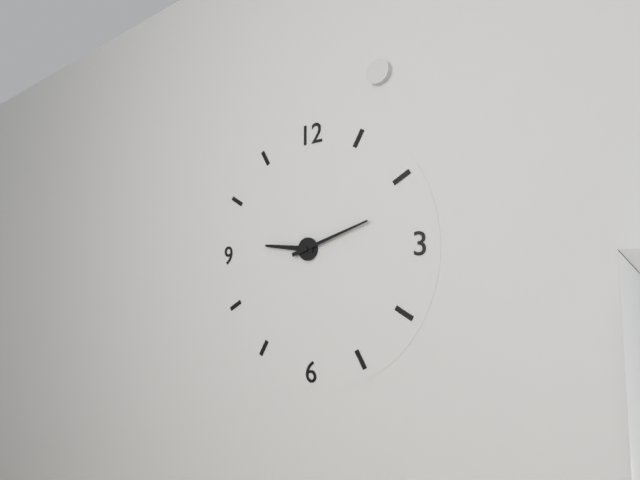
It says 9 h 12 min
